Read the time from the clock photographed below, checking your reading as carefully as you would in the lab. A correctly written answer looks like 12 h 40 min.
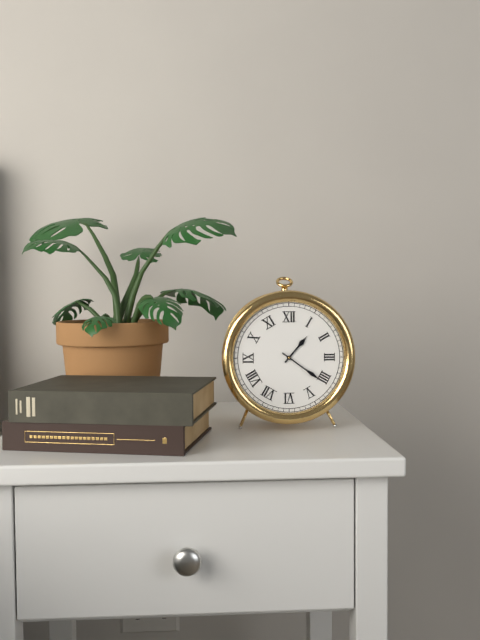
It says 1 h 21 min
